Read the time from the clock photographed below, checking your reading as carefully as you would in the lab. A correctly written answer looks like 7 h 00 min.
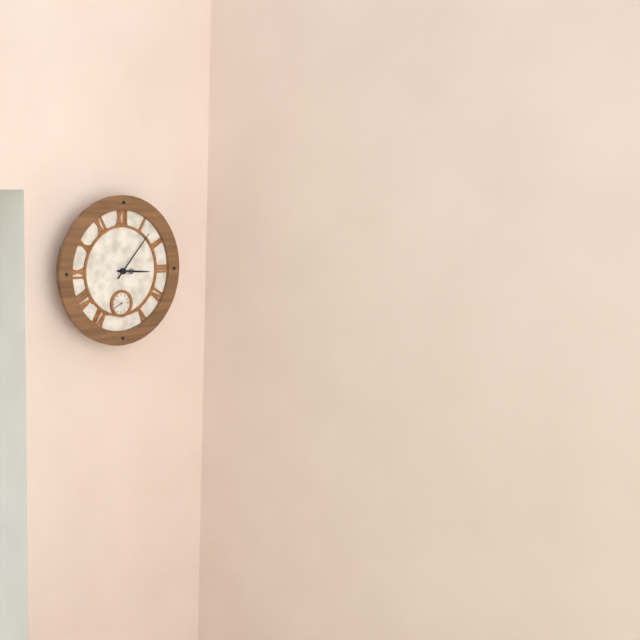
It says 3 h 07 min
